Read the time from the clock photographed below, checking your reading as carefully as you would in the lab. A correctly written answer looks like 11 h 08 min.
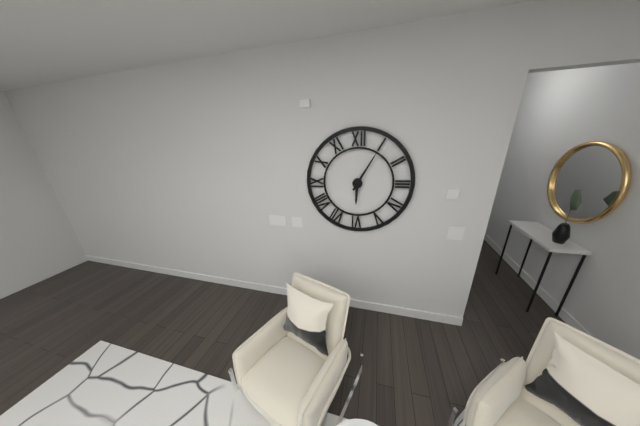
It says 6 h 05 min
